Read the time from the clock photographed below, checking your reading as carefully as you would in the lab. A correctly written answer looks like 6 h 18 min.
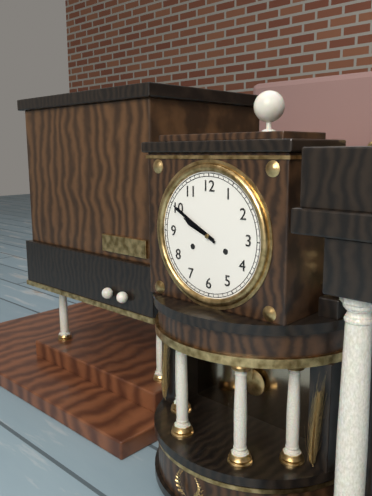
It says 9 h 50 min
